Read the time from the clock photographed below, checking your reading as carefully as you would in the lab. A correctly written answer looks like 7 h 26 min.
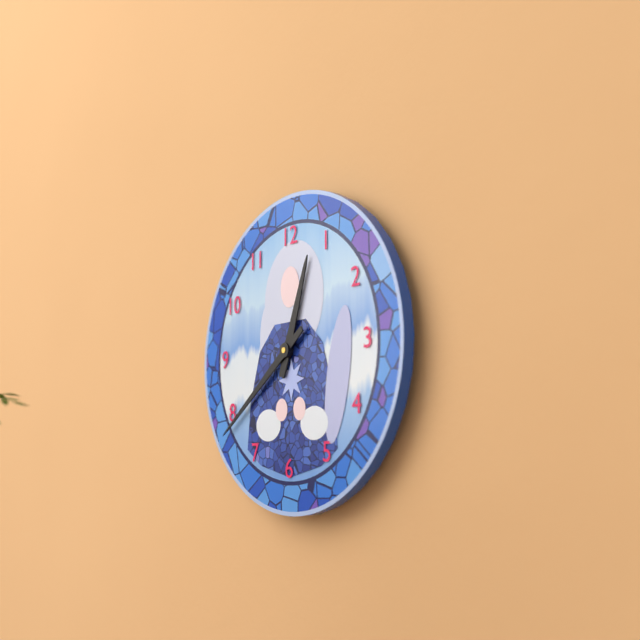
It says 12 h 39 min
